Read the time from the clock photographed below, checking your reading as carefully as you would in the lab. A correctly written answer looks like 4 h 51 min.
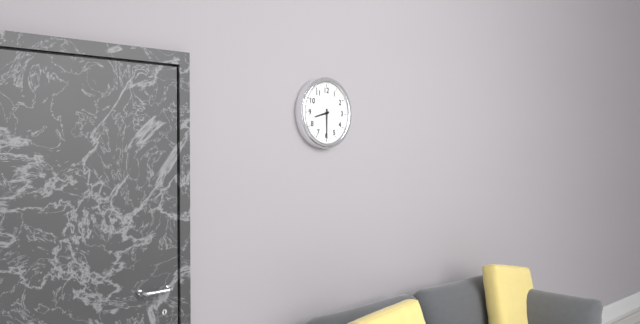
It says 8 h 30 min
